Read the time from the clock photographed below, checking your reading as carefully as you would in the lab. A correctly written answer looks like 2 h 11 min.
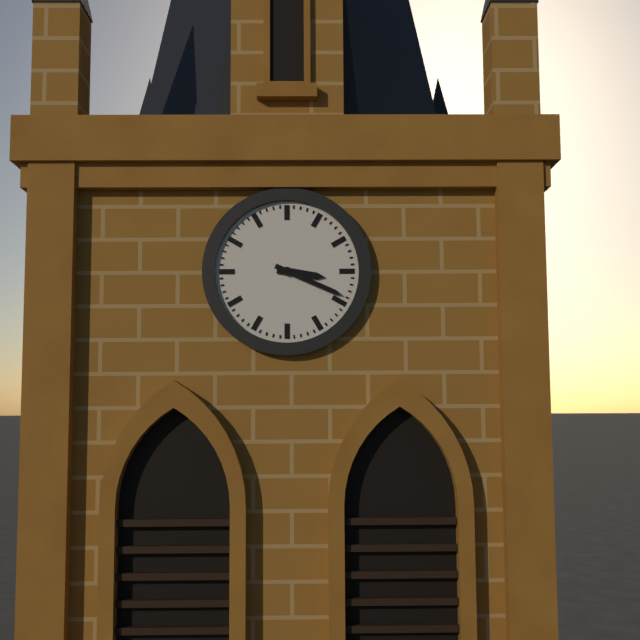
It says 3 h 19 min
